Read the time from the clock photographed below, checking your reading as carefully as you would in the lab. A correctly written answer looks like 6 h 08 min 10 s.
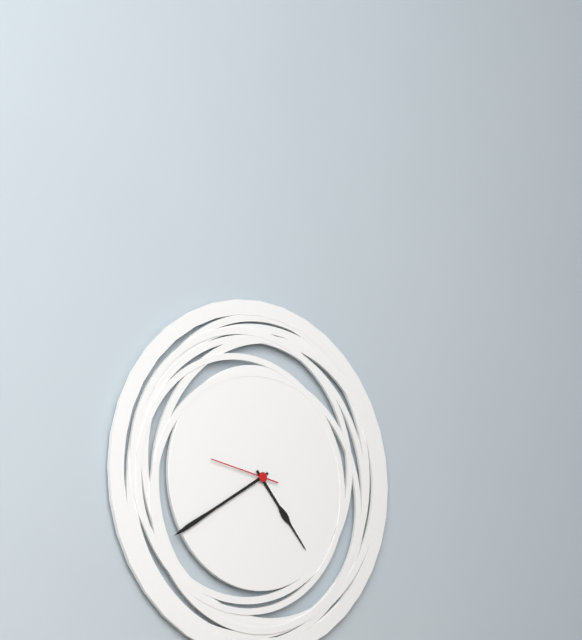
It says 4 h 40 min 47 s
